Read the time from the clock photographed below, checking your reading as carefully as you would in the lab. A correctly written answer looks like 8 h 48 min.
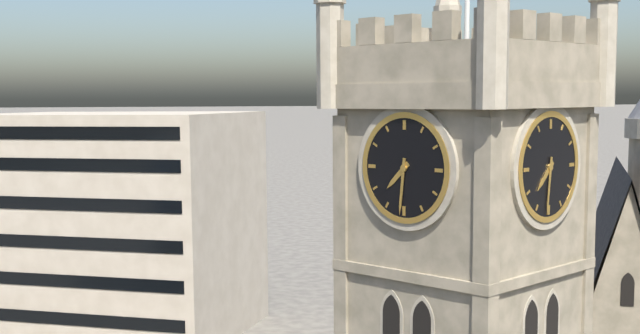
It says 7 h 31 min
